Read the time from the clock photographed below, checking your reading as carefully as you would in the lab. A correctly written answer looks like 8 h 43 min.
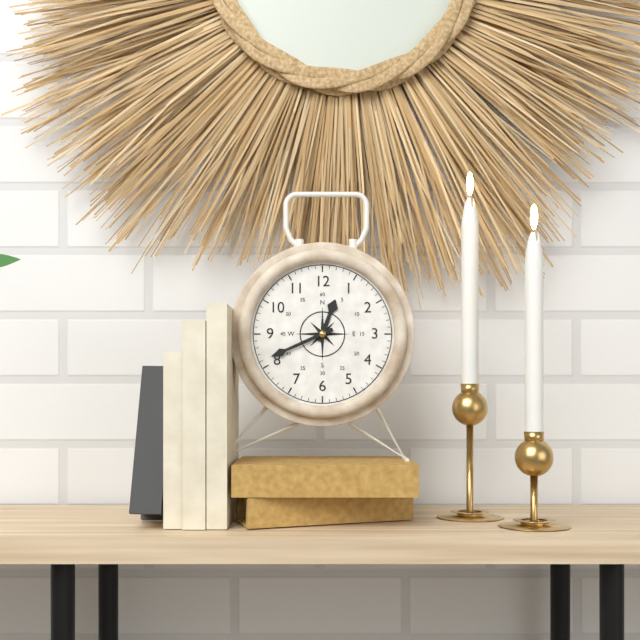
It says 12 h 41 min
